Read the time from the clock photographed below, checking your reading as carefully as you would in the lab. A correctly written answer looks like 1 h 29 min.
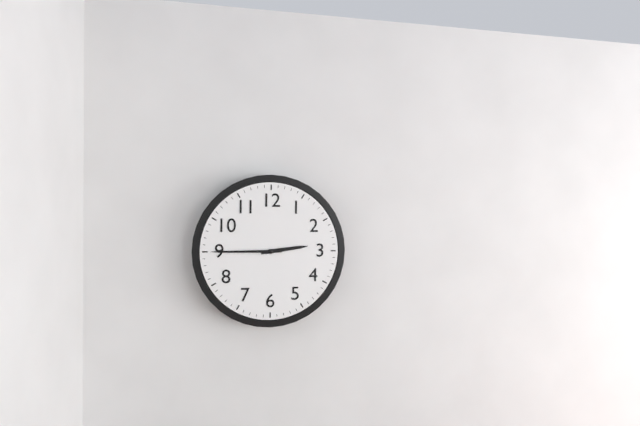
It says 2 h 45 min
